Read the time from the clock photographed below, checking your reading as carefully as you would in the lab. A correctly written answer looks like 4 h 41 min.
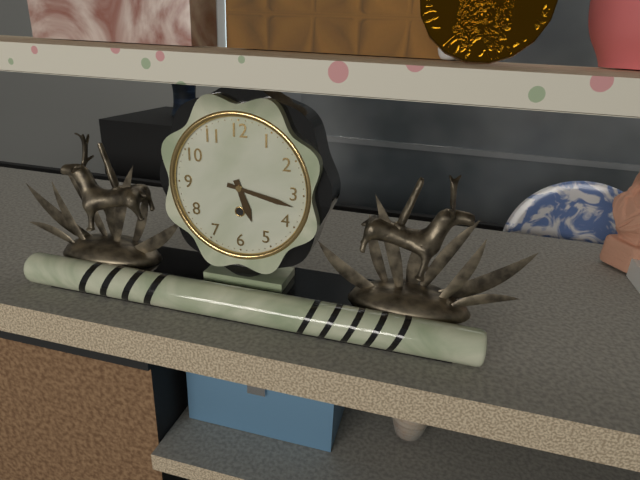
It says 5 h 17 min
